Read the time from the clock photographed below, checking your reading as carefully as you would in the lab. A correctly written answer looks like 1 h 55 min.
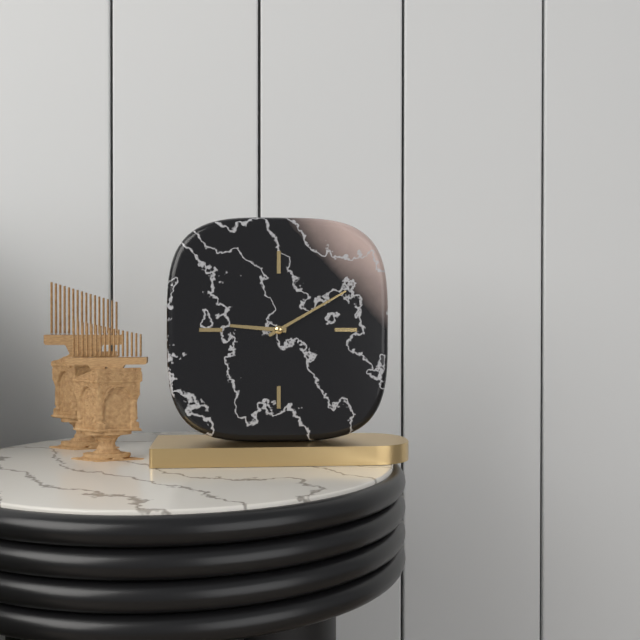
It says 9 h 10 min
